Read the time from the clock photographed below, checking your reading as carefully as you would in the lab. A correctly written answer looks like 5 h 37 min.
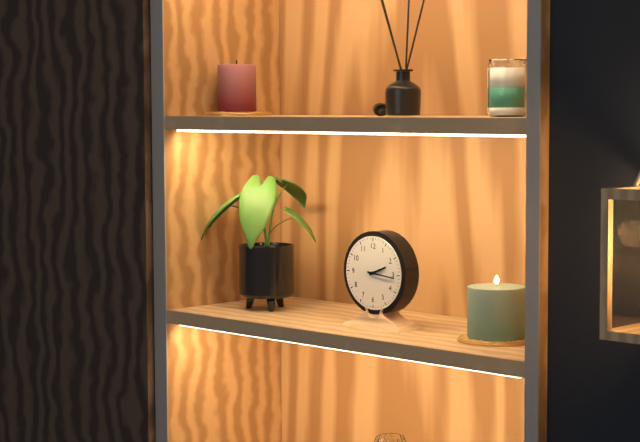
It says 2 h 16 min
